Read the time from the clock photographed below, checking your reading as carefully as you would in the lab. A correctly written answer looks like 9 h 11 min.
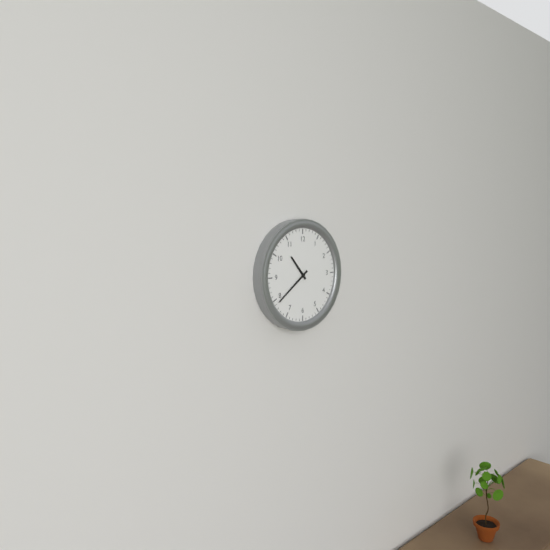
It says 10 h 39 min
